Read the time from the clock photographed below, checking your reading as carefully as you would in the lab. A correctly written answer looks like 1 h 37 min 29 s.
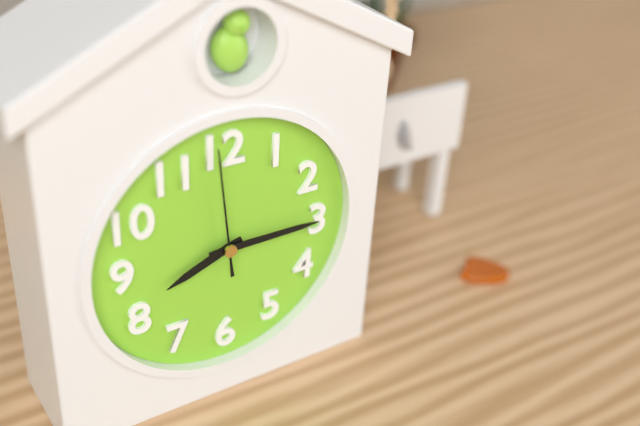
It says 8 h 15 min 59 s
